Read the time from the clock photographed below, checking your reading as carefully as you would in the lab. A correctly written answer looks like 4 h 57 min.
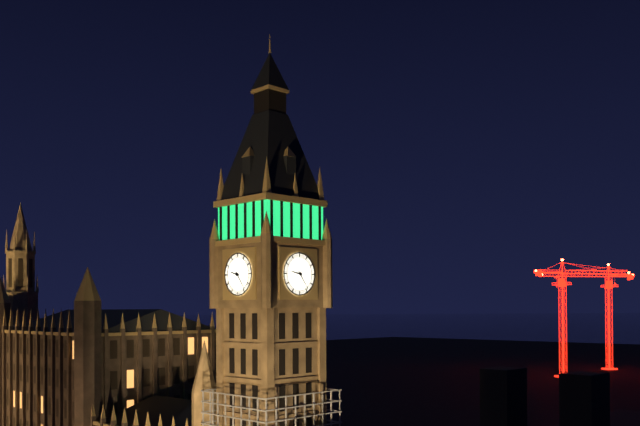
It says 9 h 24 min
